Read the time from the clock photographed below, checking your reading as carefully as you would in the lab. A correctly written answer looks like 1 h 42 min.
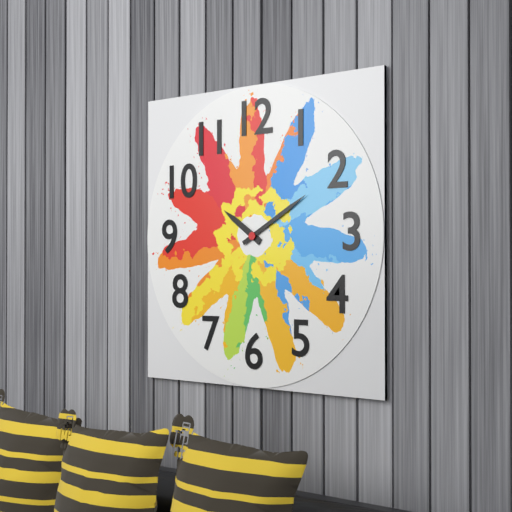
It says 10 h 10 min
